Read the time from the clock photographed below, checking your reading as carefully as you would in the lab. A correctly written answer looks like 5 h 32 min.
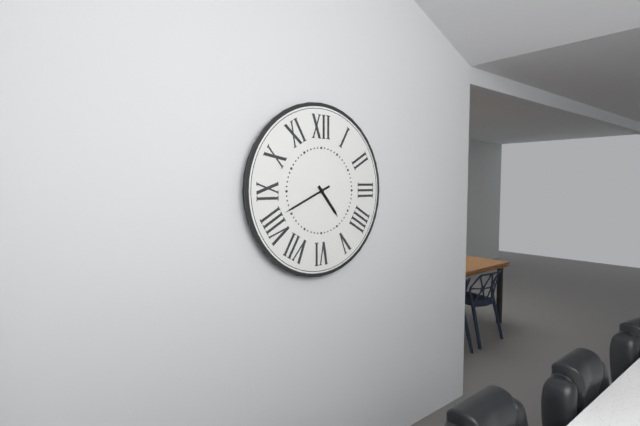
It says 4 h 41 min
